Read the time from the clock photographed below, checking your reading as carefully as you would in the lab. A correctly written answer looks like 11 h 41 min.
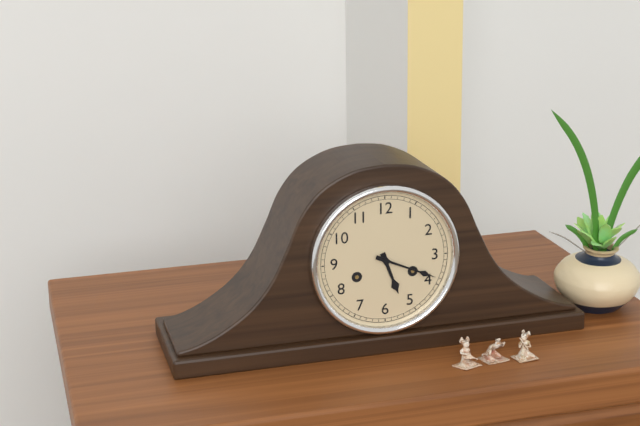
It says 5 h 19 min
